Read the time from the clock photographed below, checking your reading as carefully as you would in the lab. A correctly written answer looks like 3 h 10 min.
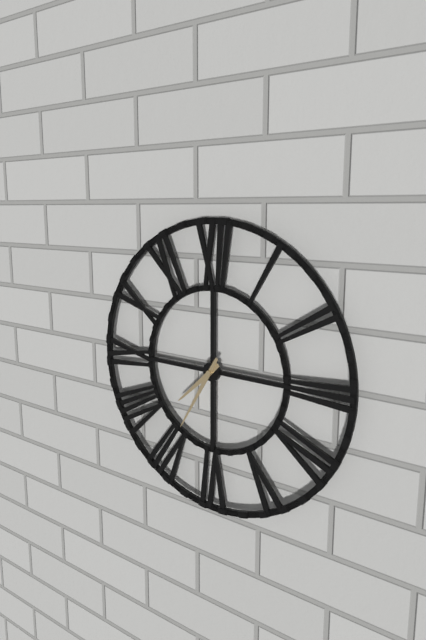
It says 7 h 35 min
